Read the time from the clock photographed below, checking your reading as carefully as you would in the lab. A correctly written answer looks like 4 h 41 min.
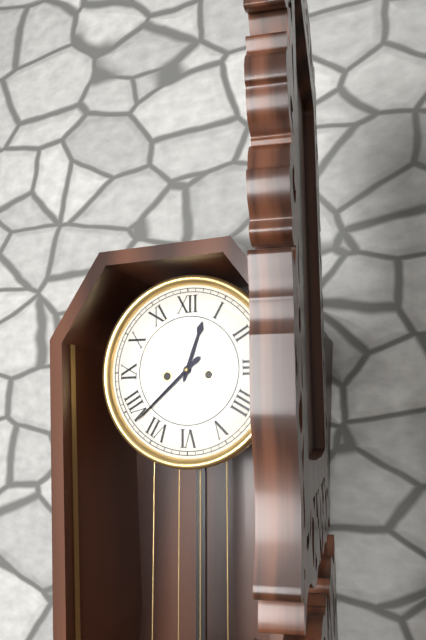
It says 12 h 38 min
